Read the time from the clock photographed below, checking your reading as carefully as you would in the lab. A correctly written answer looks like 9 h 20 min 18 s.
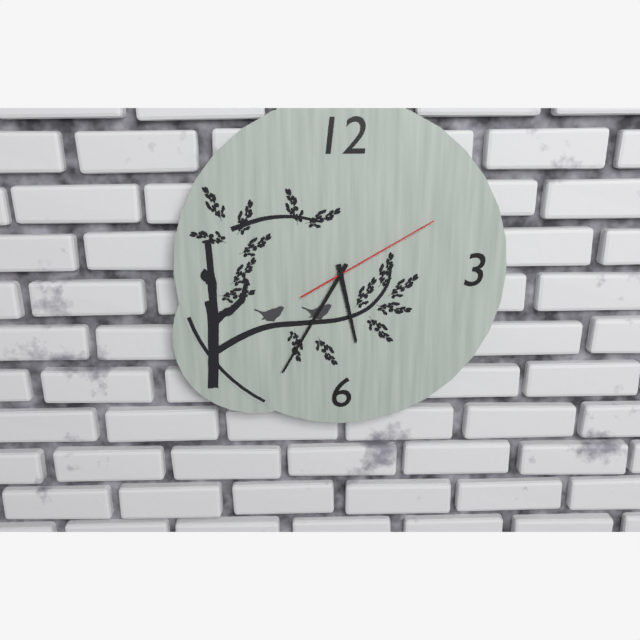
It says 5 h 35 min 10 s
